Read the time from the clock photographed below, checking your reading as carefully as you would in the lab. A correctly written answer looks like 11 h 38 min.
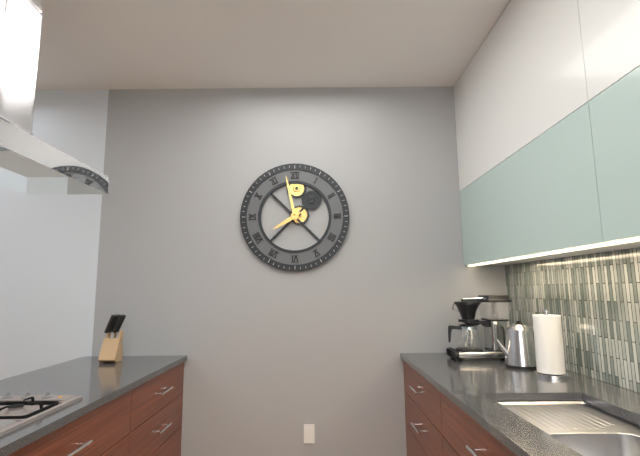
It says 7 h 58 min
